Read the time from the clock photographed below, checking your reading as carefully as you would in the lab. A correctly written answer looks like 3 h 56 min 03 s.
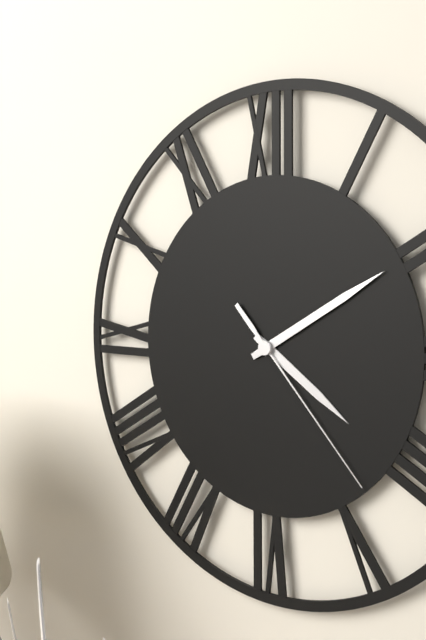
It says 4 h 10 min 23 s
